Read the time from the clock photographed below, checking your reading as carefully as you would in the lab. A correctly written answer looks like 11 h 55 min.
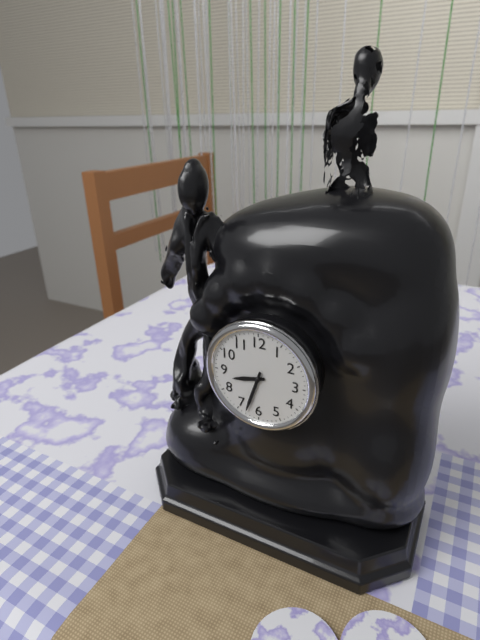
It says 8 h 33 min
